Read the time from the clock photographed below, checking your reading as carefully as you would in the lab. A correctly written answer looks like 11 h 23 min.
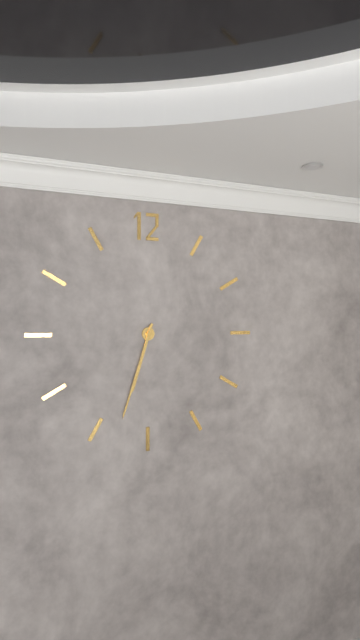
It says 6 h 33 min
